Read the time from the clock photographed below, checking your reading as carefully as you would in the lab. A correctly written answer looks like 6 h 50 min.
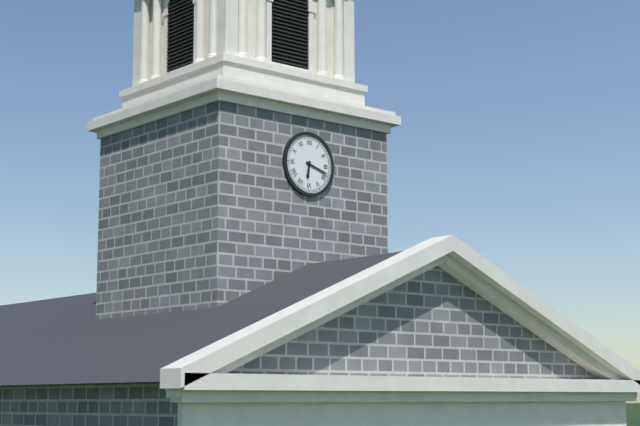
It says 6 h 18 min
